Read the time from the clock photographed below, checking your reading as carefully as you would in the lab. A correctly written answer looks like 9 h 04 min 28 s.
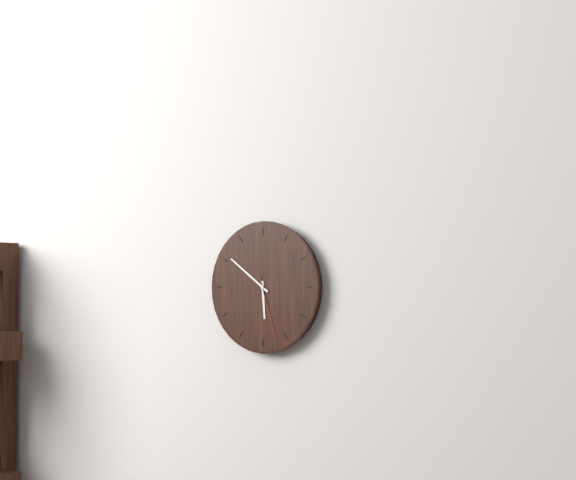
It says 5 h 51 min 27 s
